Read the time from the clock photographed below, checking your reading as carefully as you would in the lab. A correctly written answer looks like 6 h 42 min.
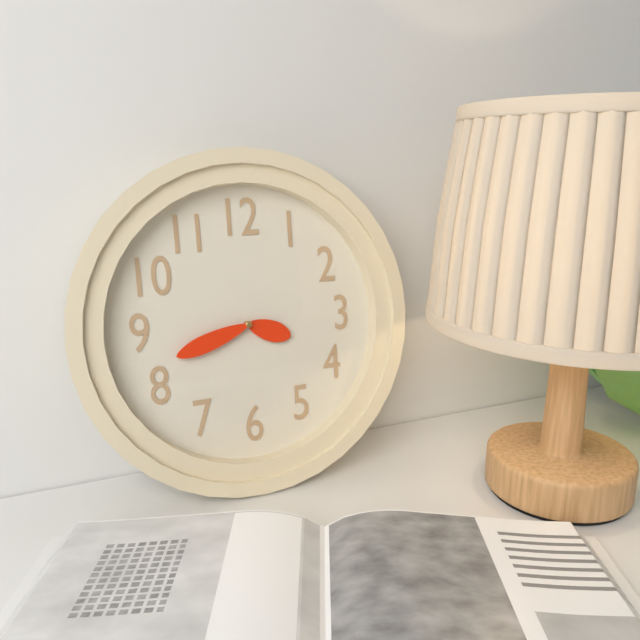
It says 3 h 42 min
